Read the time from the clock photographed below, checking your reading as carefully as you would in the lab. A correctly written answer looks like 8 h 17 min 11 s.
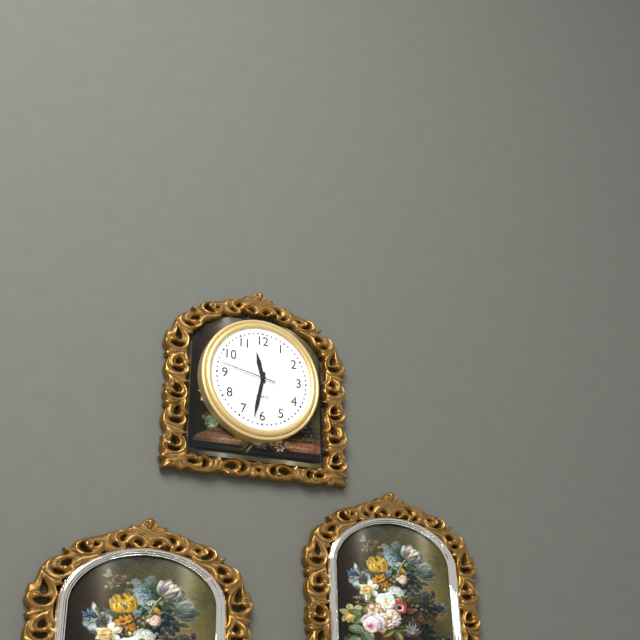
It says 11 h 32 min 47 s
